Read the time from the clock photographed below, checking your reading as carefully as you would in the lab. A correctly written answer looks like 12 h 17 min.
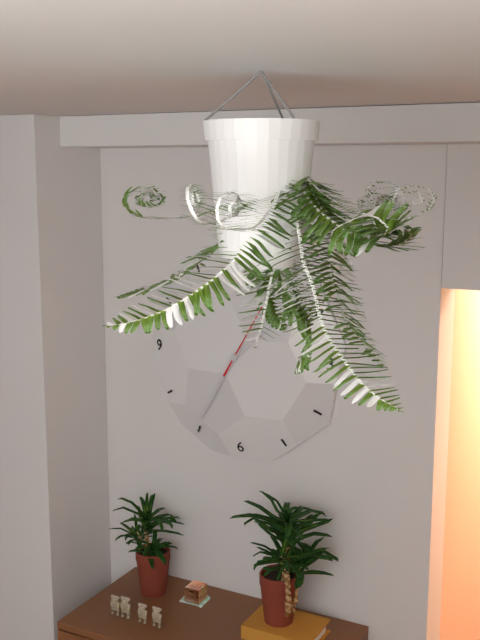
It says 1 h 35 min
